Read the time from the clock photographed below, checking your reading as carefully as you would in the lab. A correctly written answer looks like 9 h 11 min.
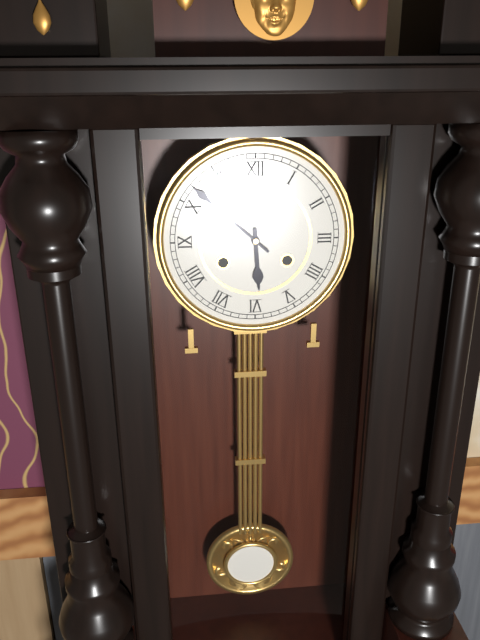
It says 5 h 52 min
